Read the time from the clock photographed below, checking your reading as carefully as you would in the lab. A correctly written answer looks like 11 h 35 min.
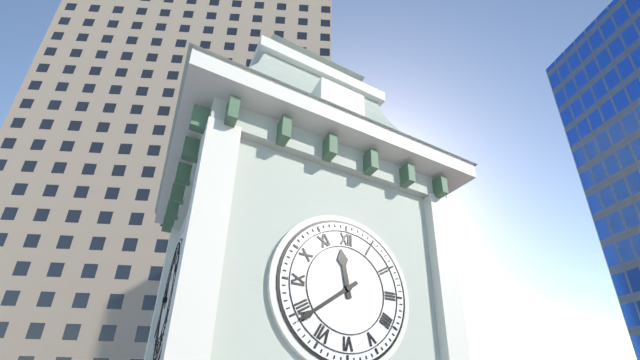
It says 11 h 39 min
